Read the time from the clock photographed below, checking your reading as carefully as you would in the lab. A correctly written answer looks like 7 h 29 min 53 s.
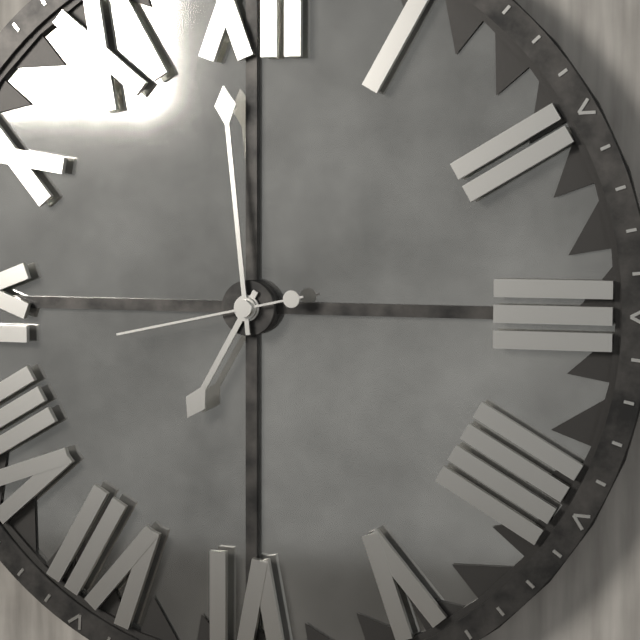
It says 6 h 59 min 43 s
